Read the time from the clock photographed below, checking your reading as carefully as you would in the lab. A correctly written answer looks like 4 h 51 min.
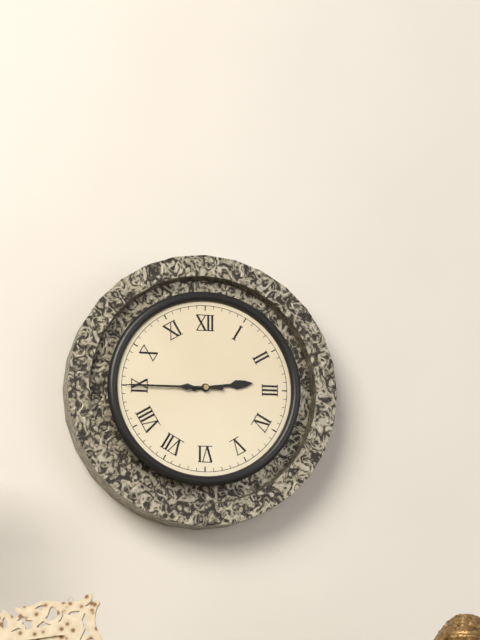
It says 2 h 45 min
